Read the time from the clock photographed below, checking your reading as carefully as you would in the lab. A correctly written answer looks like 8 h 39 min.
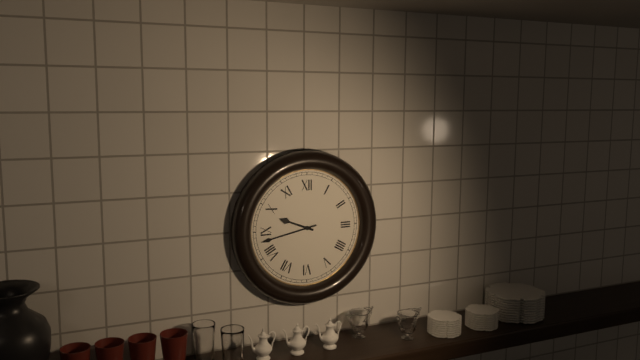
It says 9 h 43 min
